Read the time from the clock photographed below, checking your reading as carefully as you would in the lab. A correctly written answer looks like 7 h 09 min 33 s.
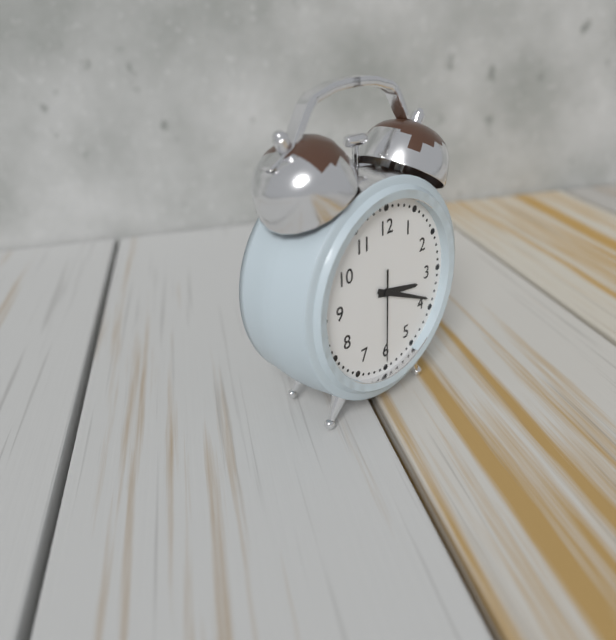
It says 3 h 19 min 30 s
